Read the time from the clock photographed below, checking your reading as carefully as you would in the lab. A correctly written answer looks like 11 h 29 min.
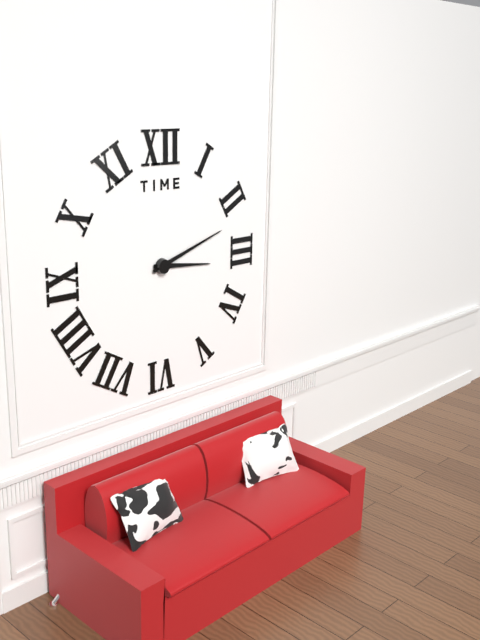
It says 3 h 12 min
